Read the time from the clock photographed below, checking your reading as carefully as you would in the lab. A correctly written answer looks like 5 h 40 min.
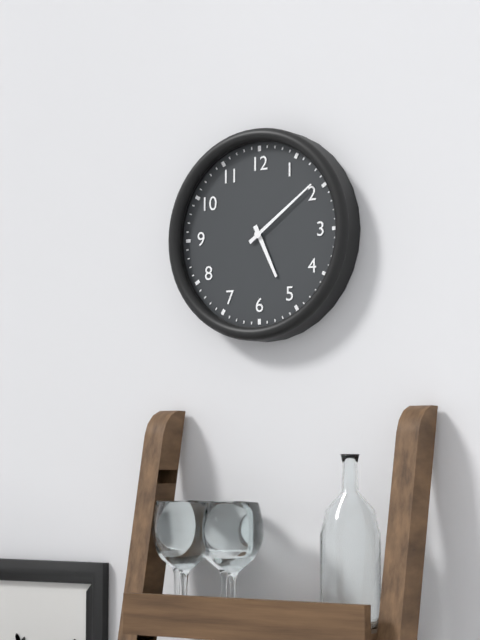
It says 5 h 09 min
